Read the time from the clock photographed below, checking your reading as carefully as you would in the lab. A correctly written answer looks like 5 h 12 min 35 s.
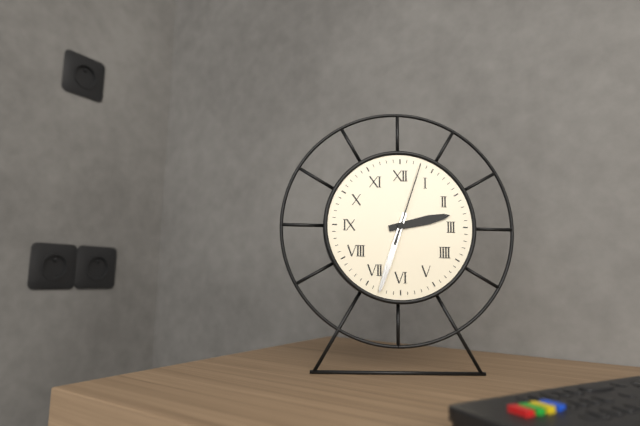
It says 2 h 33 min 03 s
